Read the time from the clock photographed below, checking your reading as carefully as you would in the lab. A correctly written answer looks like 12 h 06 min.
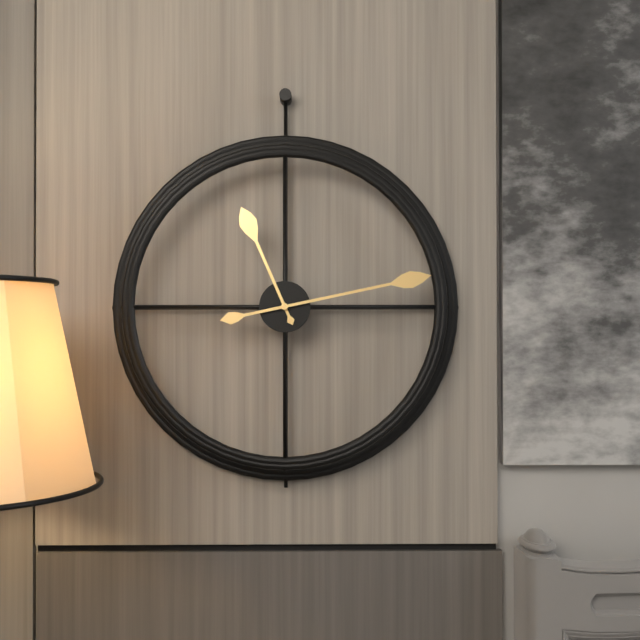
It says 11 h 13 min
